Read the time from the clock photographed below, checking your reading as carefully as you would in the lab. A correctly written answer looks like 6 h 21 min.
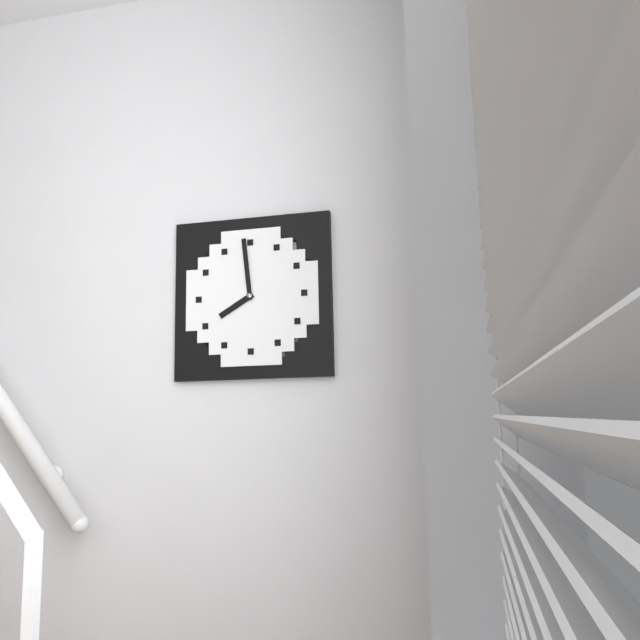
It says 7 h 59 min
